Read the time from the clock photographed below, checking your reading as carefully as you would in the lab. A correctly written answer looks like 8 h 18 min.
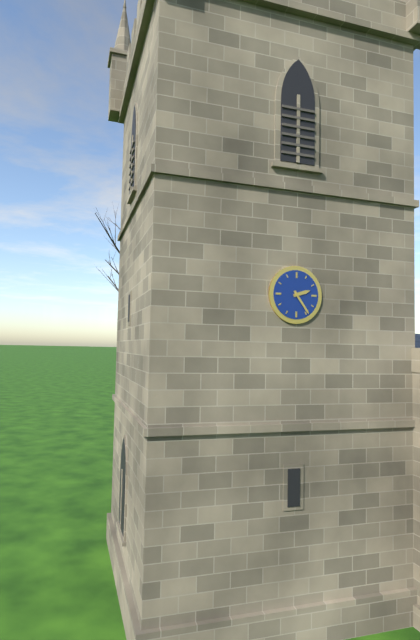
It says 2 h 24 min
